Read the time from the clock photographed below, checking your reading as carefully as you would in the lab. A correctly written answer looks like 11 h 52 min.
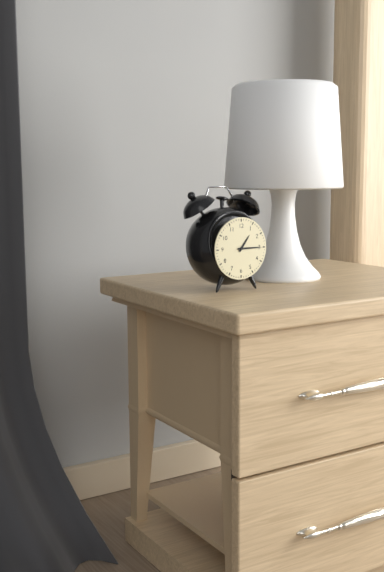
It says 1 h 15 min
